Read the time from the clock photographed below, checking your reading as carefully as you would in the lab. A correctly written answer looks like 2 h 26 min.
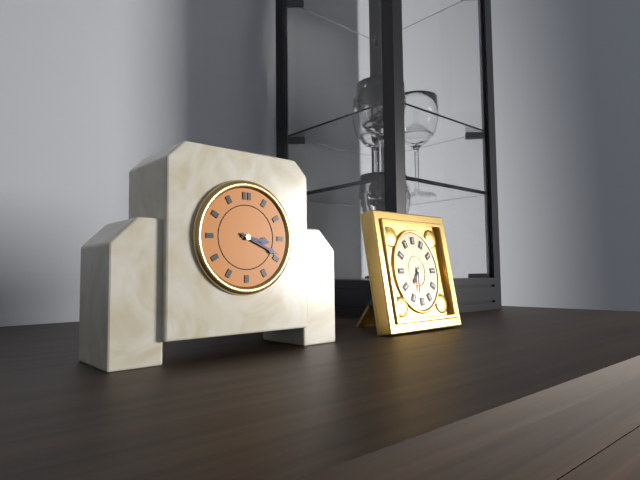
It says 3 h 19 min
